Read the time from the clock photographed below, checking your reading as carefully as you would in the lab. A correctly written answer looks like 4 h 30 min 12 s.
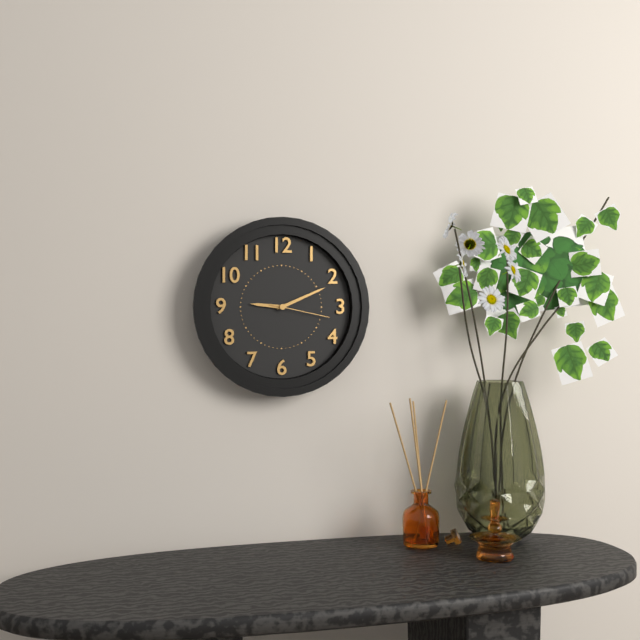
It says 9 h 11 min 17 s
